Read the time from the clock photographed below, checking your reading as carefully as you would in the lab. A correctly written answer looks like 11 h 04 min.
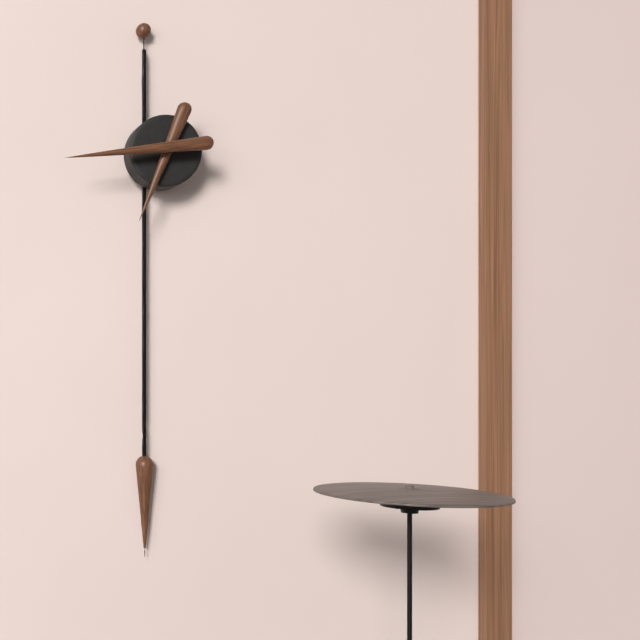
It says 6 h 44 min
